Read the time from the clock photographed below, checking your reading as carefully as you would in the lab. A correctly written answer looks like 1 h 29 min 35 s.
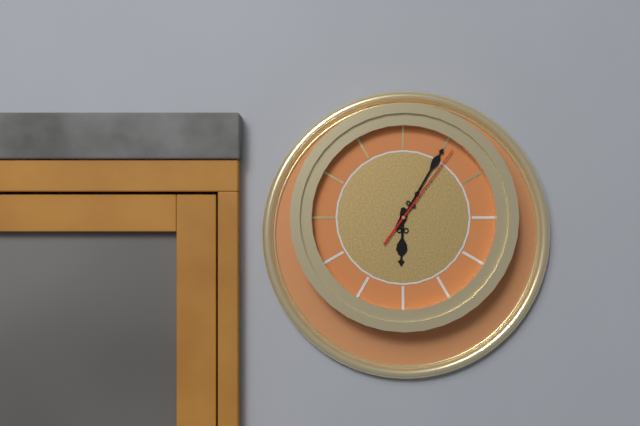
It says 6 h 05 min 06 s
